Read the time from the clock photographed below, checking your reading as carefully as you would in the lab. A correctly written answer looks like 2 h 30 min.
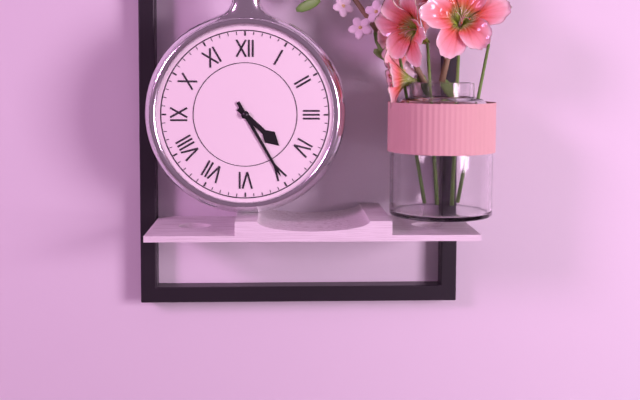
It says 4 h 25 min
